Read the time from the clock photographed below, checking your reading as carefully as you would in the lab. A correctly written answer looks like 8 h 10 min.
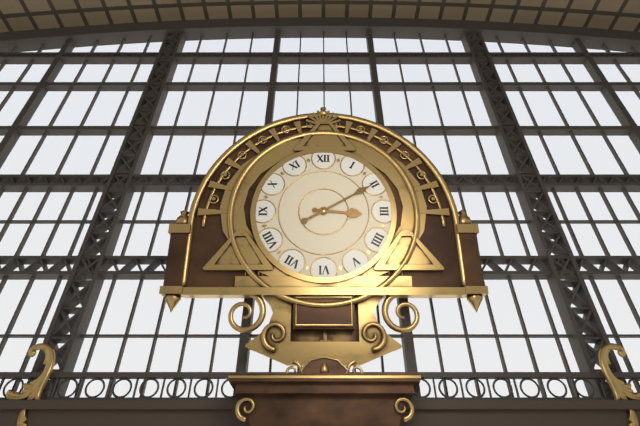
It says 3 h 10 min
